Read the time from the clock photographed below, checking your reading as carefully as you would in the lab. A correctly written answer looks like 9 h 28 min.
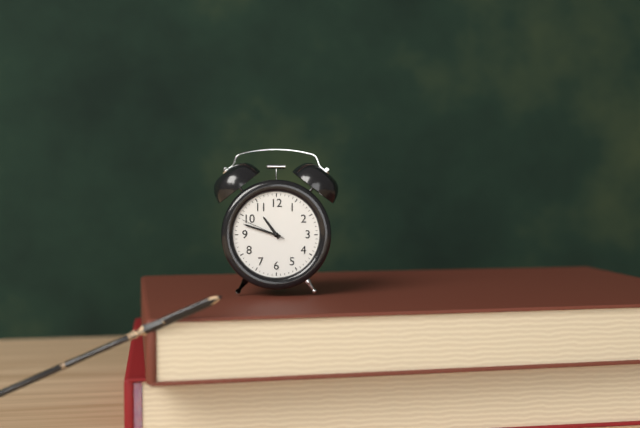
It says 10 h 48 min
